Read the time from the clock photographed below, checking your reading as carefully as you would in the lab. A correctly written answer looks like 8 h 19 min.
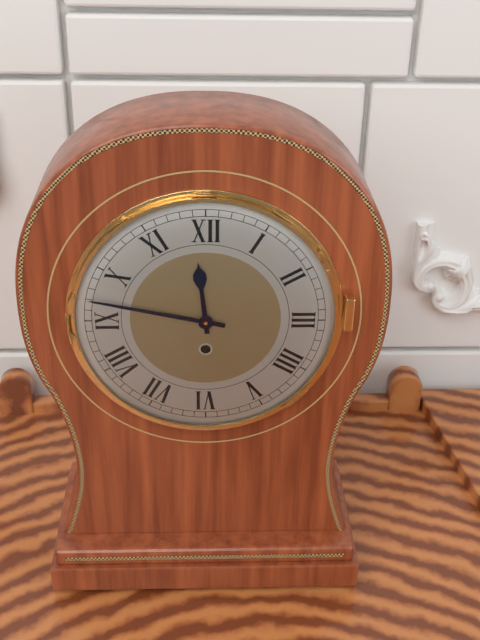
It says 11 h 47 min
